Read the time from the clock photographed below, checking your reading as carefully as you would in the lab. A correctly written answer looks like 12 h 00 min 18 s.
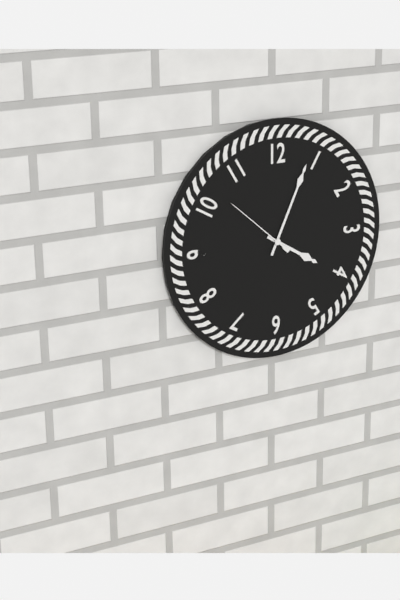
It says 4 h 04 min 52 s
